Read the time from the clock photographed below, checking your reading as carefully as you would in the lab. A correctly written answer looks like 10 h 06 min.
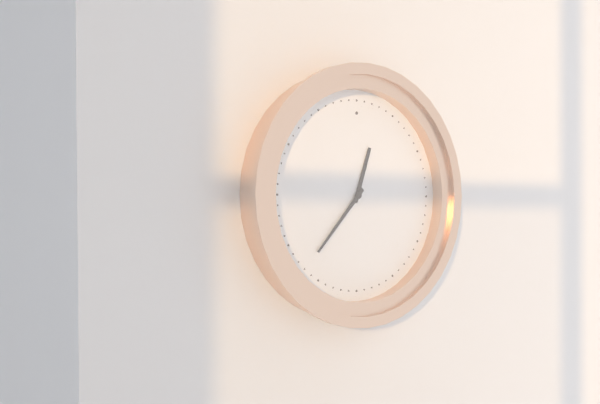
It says 12 h 37 min
